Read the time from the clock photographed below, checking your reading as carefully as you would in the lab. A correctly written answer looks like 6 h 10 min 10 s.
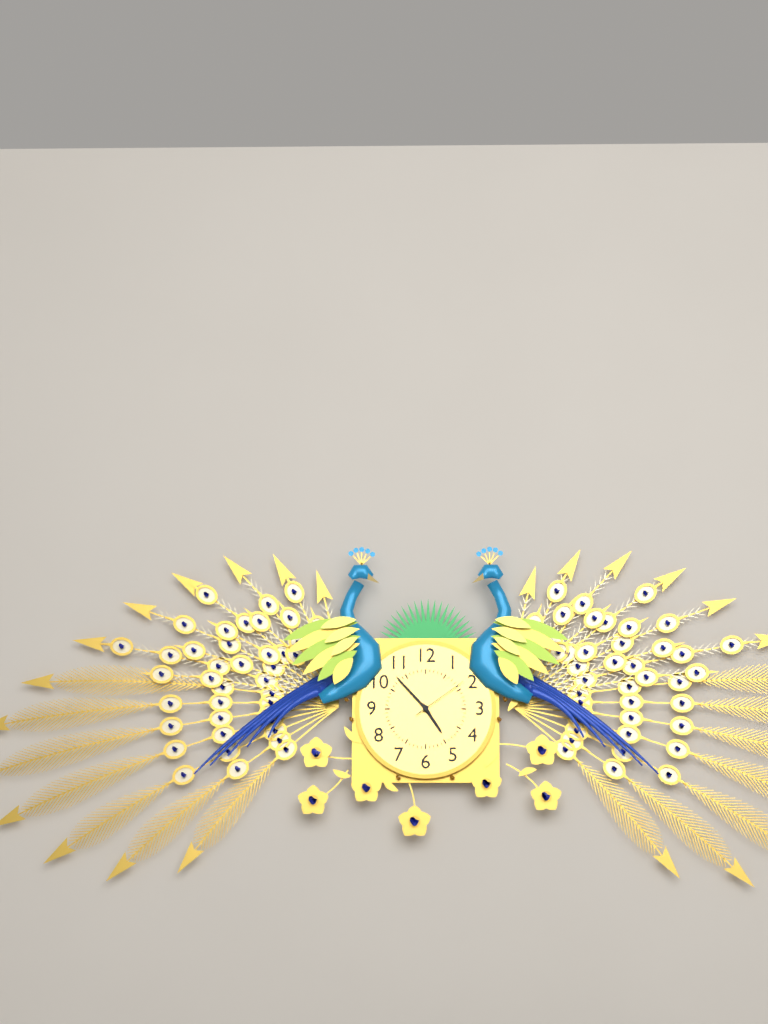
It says 4 h 53 min 09 s
